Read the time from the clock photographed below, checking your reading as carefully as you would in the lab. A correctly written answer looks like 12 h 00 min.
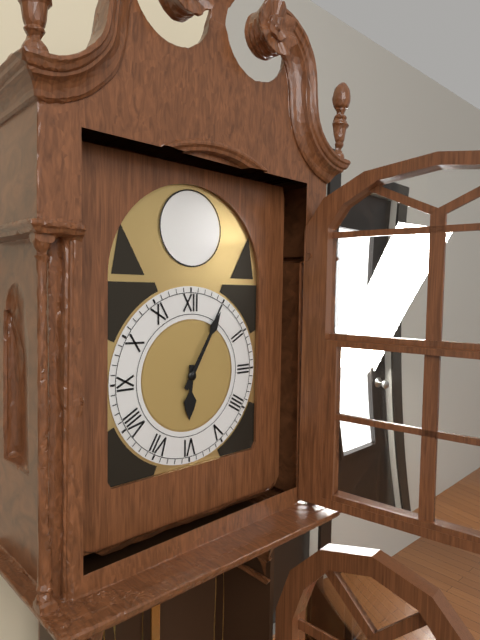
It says 6 h 05 min
